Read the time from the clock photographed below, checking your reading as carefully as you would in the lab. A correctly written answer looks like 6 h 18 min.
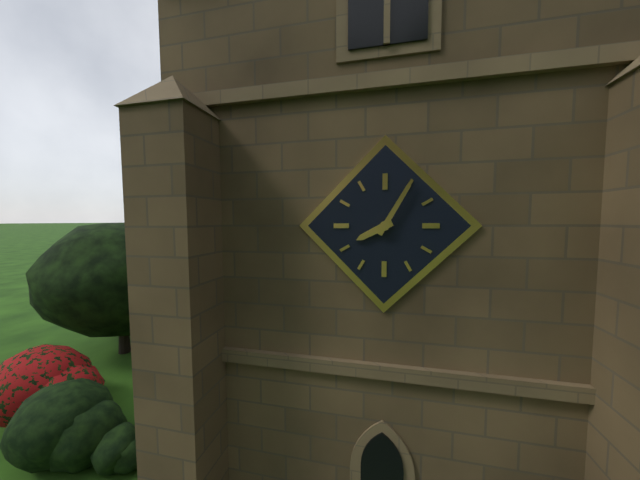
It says 8 h 05 min
